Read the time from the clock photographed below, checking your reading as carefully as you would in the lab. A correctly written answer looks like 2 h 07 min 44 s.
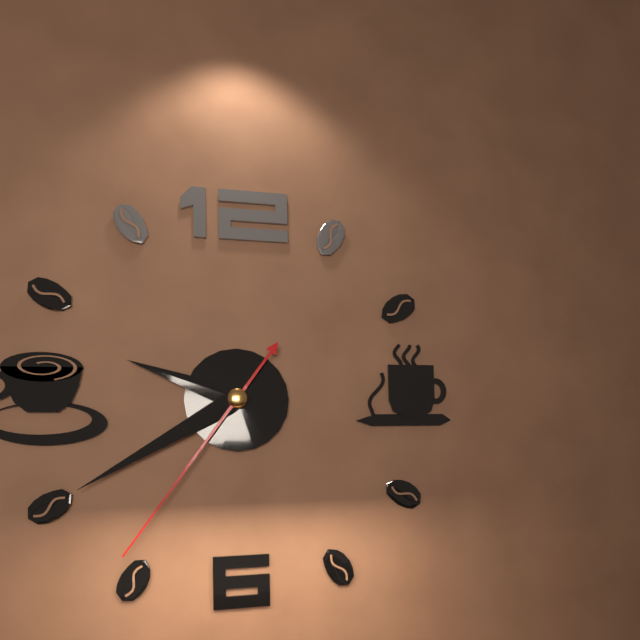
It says 9 h 40 min 36 s
